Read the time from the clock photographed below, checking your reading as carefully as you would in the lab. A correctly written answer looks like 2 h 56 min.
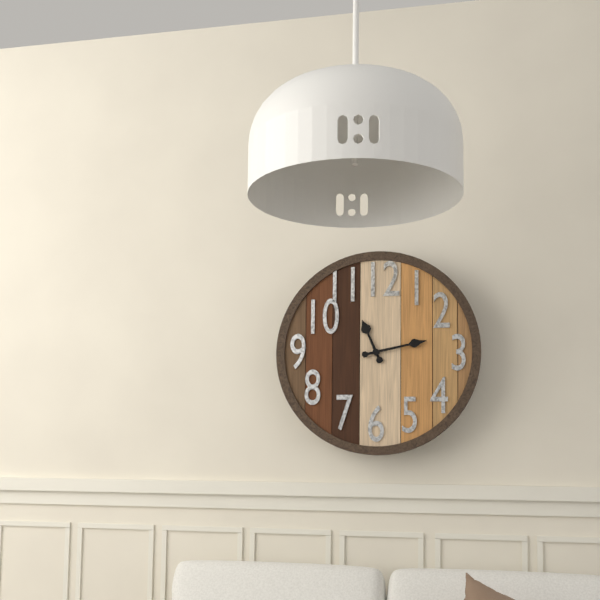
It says 11 h 13 min
